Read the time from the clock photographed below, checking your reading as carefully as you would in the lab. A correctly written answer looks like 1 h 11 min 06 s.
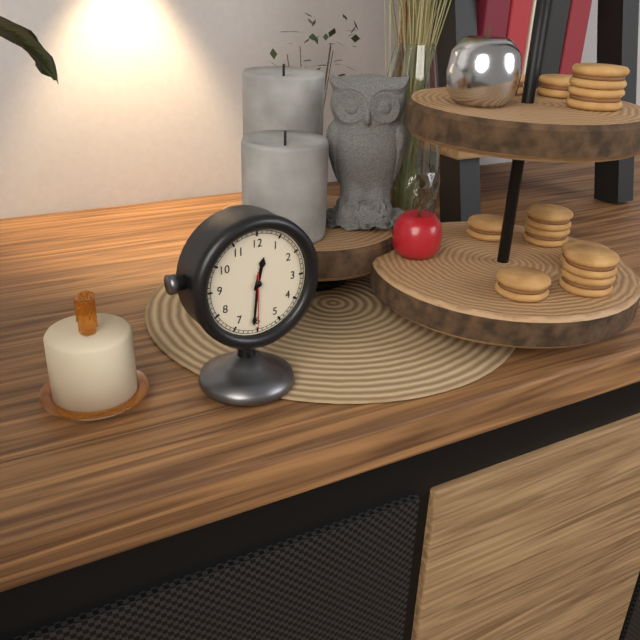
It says 12 h 31 min 30 s
